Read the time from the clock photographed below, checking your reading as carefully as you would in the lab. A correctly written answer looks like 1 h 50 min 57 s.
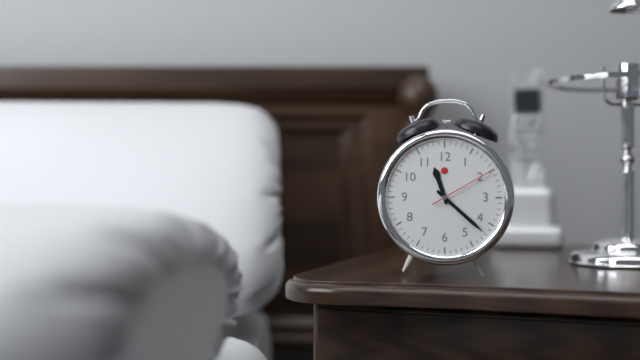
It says 11 h 22 min 10 s
